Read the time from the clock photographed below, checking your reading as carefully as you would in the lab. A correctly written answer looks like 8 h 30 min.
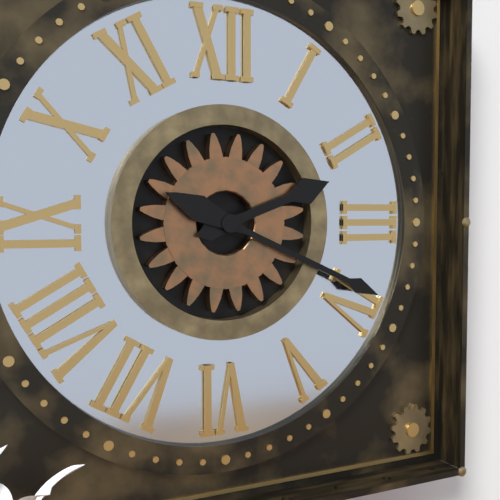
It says 2 h 19 min
